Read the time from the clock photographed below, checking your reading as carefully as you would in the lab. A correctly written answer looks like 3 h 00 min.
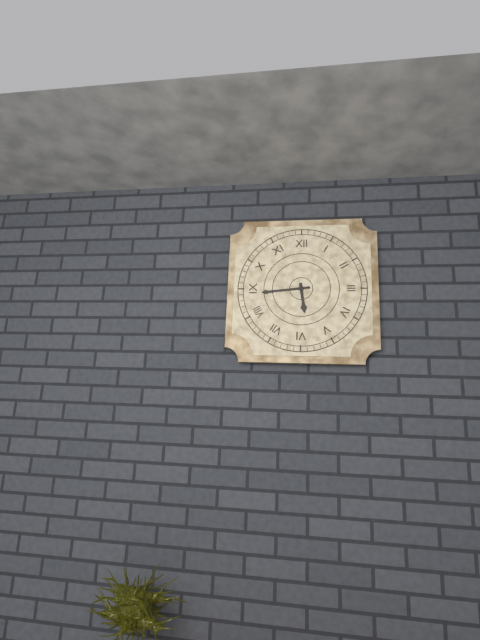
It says 5 h 44 min
